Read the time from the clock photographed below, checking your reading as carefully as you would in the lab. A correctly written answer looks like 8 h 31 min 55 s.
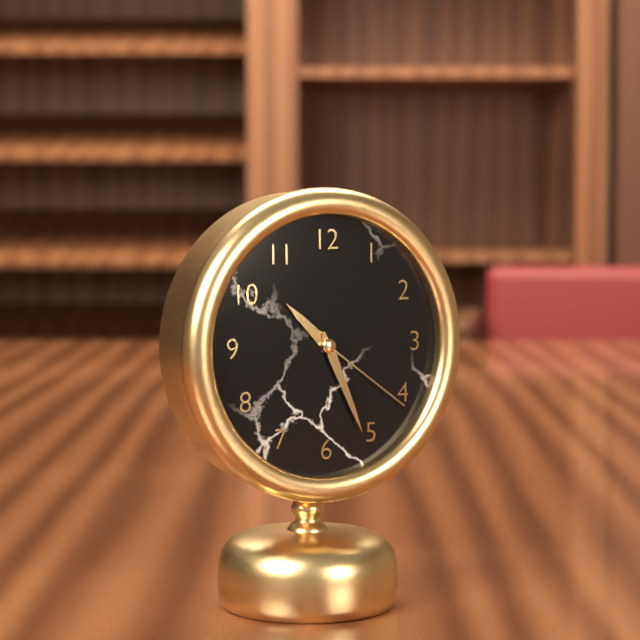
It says 10 h 26 min 21 s
